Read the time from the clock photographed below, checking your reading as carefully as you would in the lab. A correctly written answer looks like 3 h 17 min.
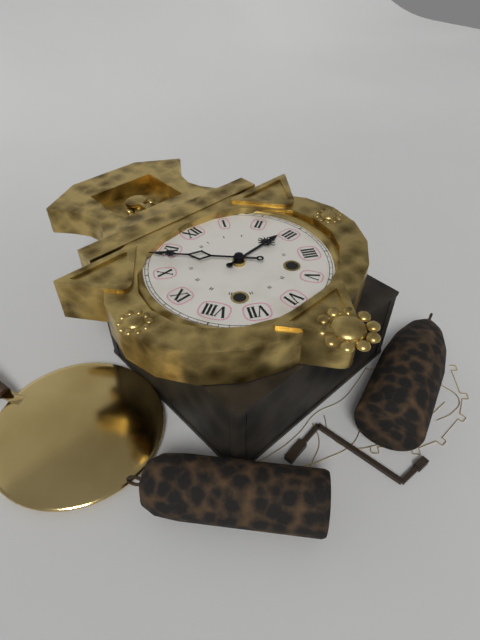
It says 2 h 53 min
